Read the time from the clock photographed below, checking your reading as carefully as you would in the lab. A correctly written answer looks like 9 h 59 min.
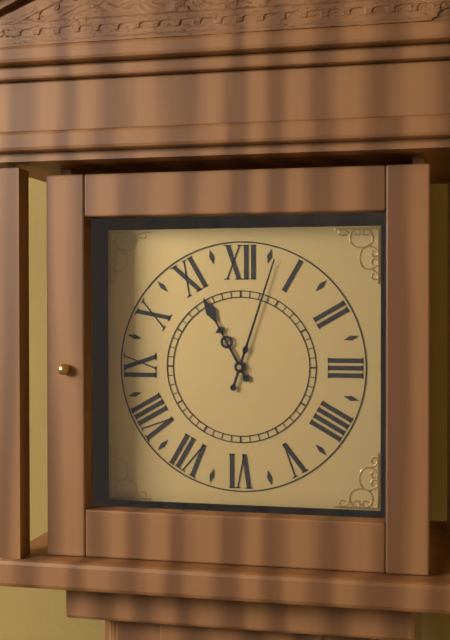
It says 11 h 03 min
